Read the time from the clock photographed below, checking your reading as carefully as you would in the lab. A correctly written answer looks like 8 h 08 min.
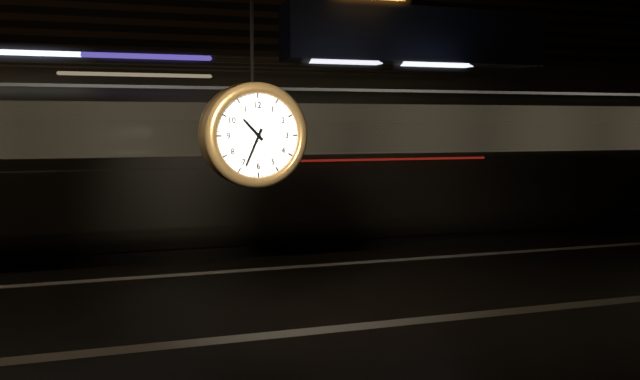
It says 10 h 34 min
